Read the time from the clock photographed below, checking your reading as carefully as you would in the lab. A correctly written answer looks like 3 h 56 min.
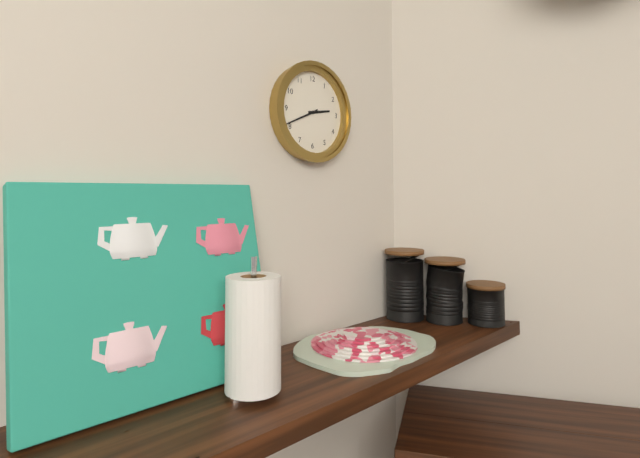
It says 2 h 41 min
